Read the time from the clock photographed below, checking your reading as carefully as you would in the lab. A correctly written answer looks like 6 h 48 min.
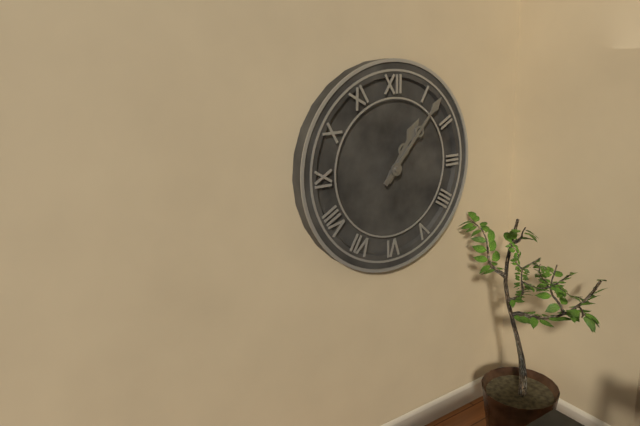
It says 1 h 07 min
